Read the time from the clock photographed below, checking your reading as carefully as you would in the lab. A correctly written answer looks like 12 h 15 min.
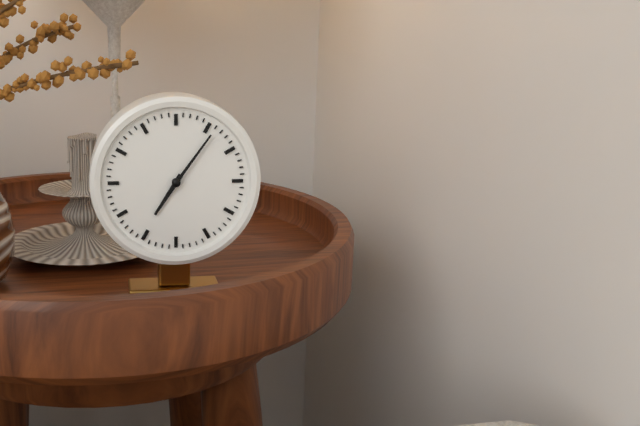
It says 7 h 06 min
